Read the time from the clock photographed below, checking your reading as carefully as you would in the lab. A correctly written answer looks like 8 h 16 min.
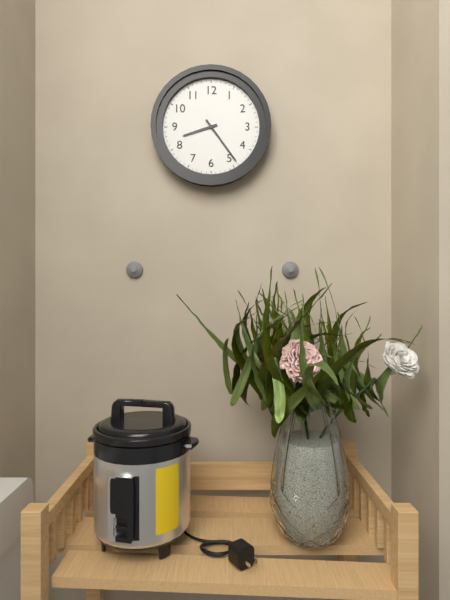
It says 8 h 24 min
